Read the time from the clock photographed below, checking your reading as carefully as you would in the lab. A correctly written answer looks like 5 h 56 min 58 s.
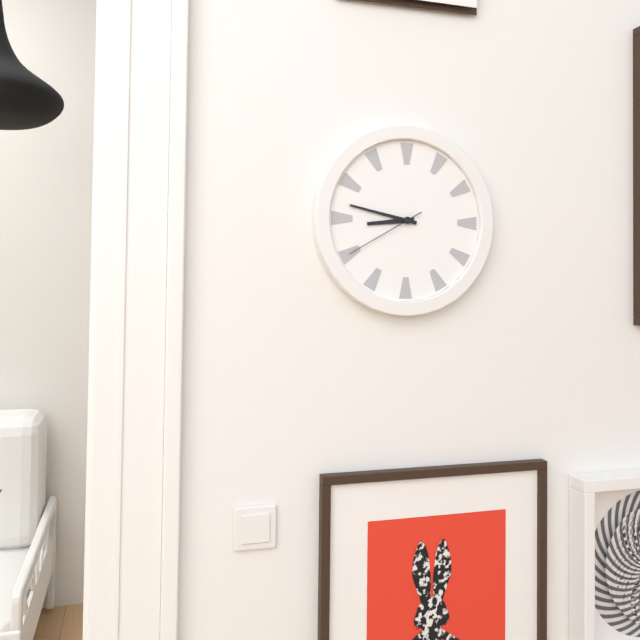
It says 8 h 47 min 40 s
